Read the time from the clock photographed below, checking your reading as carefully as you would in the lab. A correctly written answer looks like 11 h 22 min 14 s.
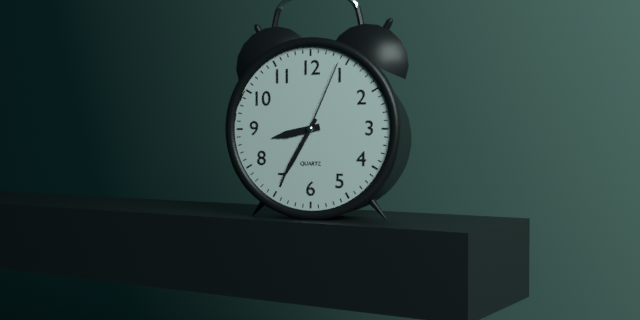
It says 8 h 35 min 04 s
